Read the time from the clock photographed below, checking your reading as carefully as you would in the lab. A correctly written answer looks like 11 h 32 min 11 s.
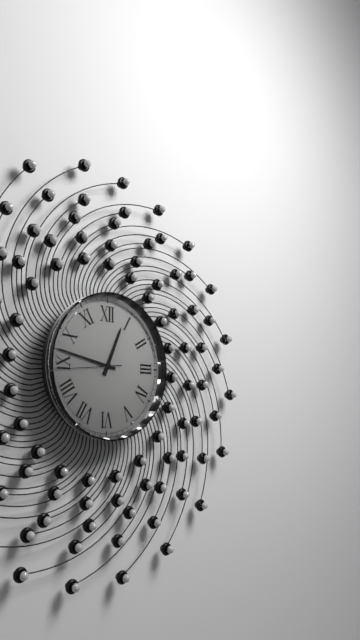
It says 12 h 47 min 44 s
